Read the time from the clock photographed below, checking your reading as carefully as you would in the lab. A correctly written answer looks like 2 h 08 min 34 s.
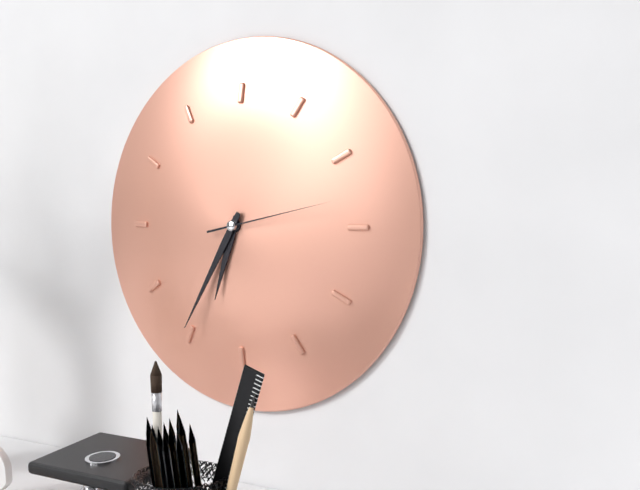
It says 6 h 35 min 13 s
